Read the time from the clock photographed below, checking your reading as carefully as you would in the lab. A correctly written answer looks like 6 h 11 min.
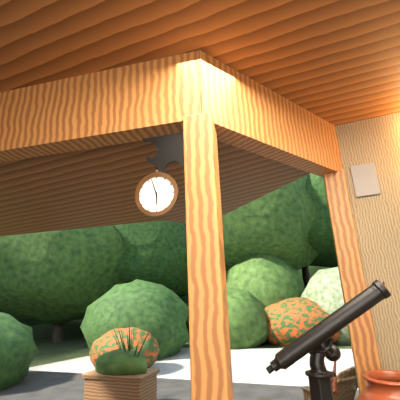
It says 5 h 57 min
